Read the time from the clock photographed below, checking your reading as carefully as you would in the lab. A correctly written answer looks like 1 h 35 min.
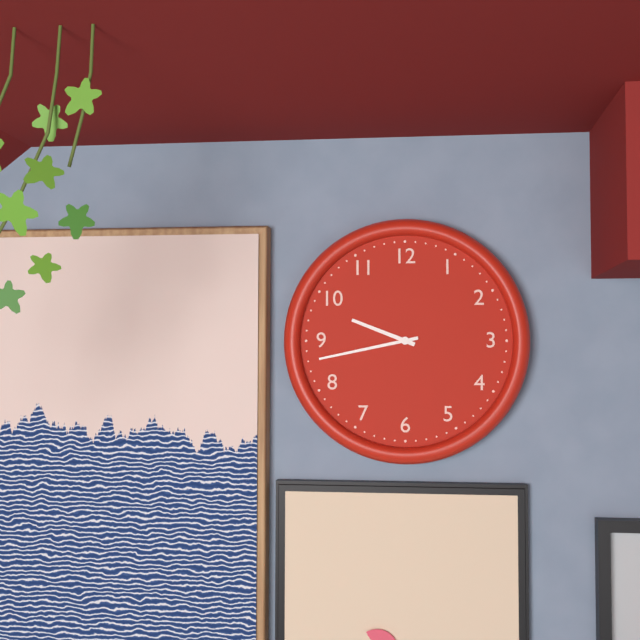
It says 9 h 43 min
